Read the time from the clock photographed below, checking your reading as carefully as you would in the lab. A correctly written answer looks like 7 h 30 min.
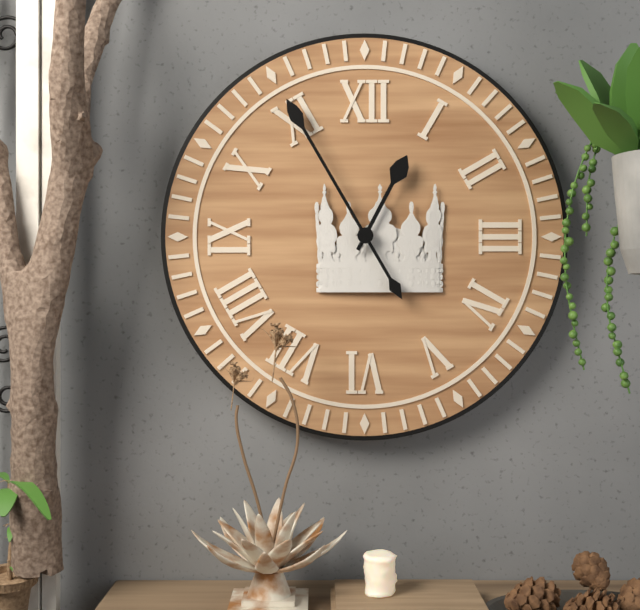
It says 12 h 55 min
